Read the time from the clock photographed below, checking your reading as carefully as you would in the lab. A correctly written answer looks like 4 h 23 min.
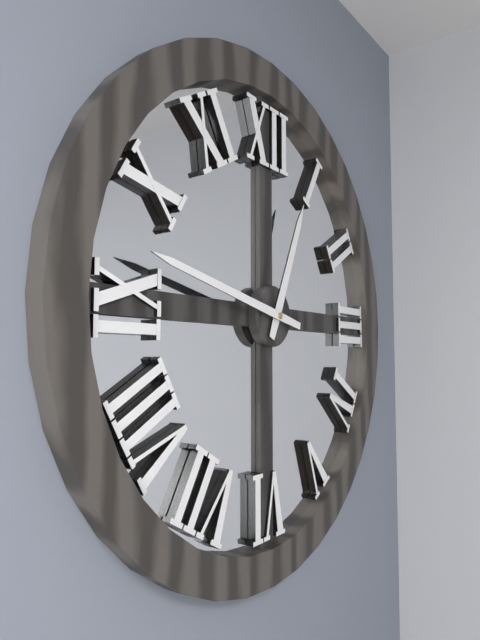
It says 12 h 47 min
